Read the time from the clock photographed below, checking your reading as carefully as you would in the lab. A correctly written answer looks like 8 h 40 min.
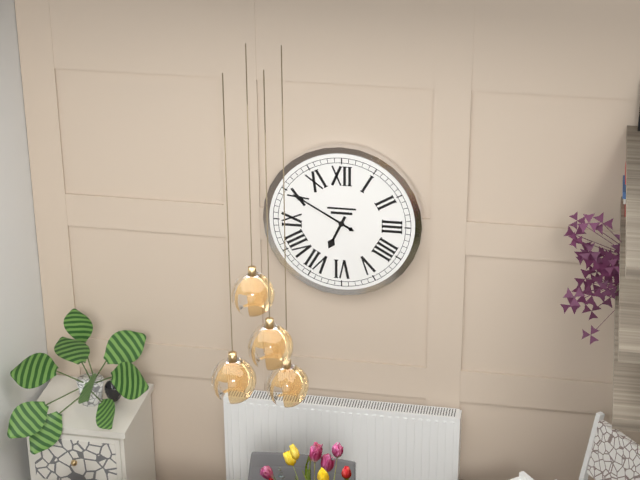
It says 6 h 50 min
